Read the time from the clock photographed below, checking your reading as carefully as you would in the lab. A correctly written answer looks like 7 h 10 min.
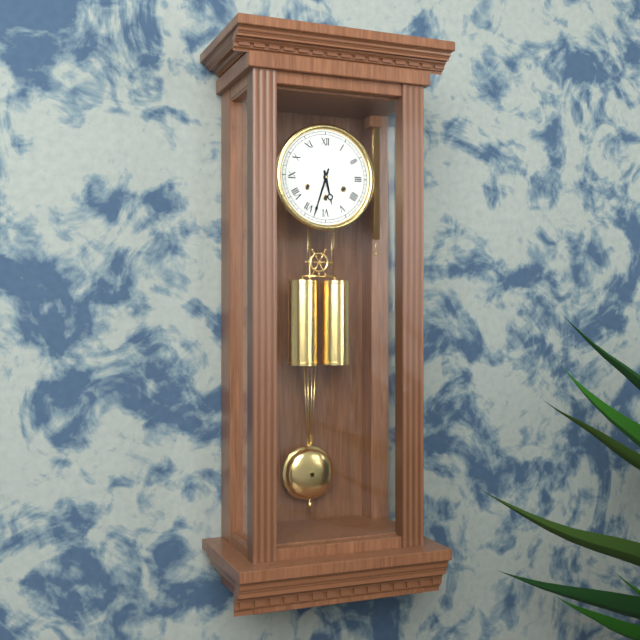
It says 5 h 33 min
